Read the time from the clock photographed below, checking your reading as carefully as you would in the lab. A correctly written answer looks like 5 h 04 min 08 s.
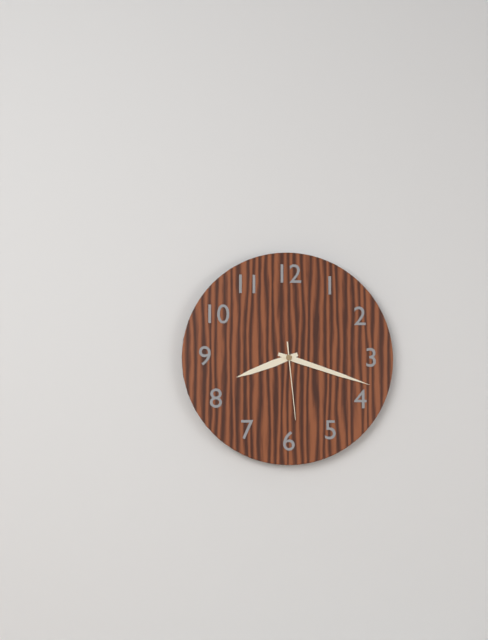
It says 8 h 18 min 29 s
